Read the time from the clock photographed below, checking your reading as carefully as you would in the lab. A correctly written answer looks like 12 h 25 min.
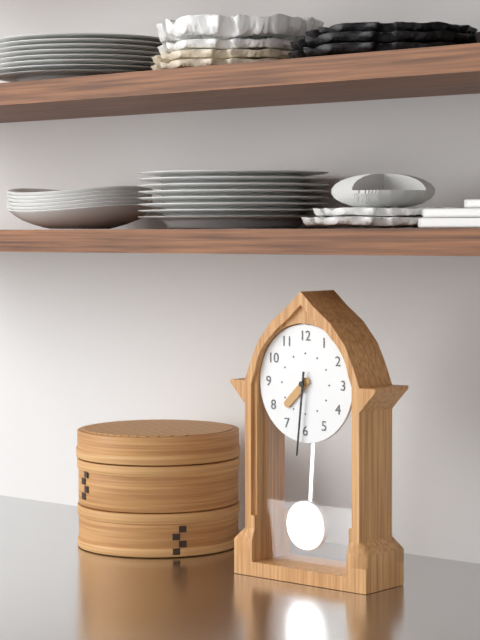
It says 7 h 31 min
